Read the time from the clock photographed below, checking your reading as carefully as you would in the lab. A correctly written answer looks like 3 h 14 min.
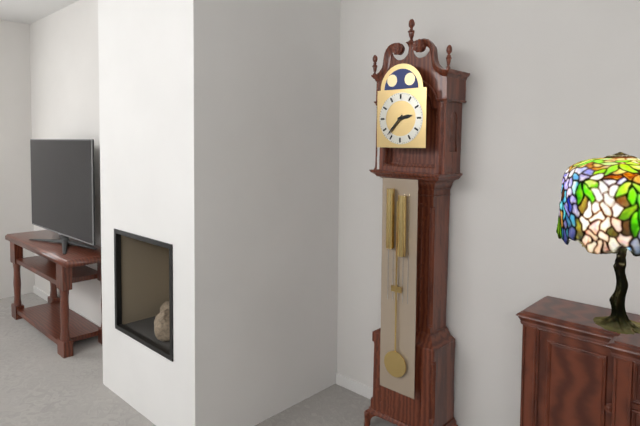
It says 2 h 37 min
